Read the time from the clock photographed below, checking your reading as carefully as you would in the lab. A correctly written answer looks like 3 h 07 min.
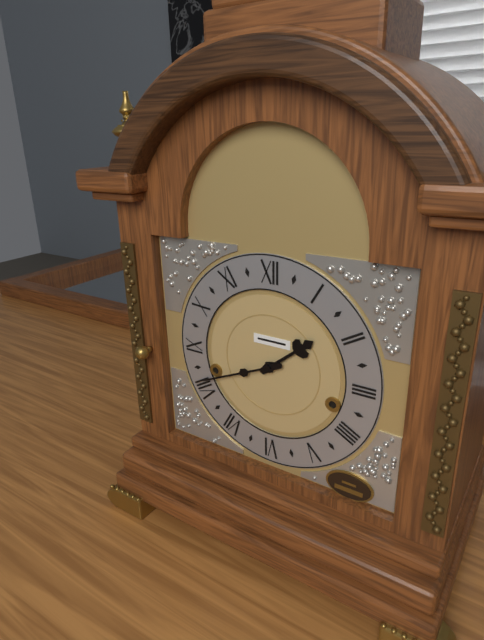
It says 1 h 41 min
